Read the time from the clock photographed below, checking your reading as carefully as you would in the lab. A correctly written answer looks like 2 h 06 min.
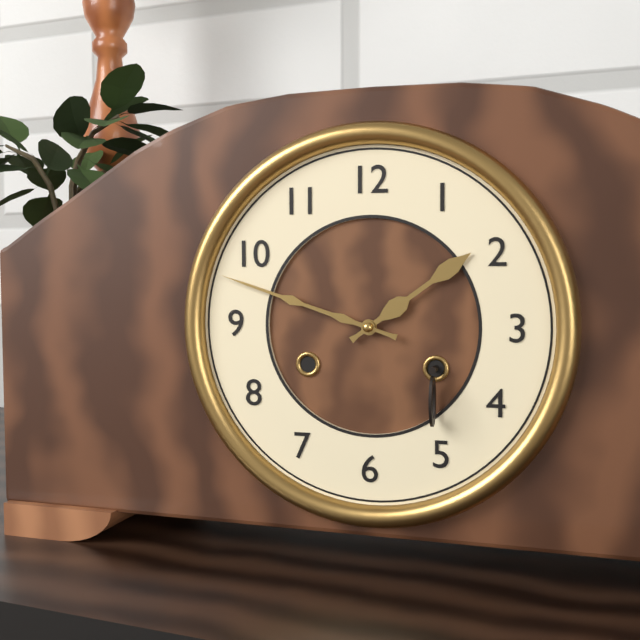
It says 1 h 48 min
